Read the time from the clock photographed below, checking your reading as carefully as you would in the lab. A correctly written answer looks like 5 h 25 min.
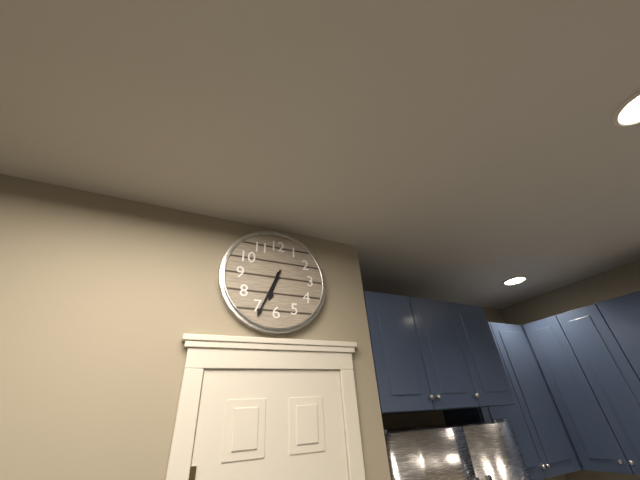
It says 6 h 34 min
